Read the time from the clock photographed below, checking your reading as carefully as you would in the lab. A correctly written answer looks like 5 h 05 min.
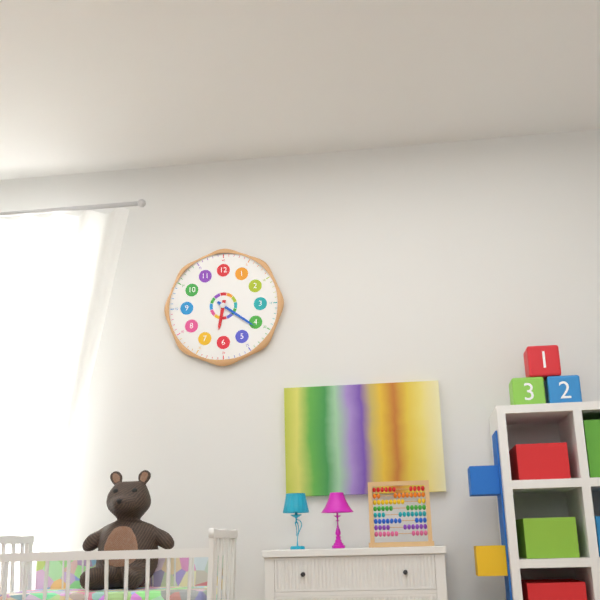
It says 6 h 21 min
